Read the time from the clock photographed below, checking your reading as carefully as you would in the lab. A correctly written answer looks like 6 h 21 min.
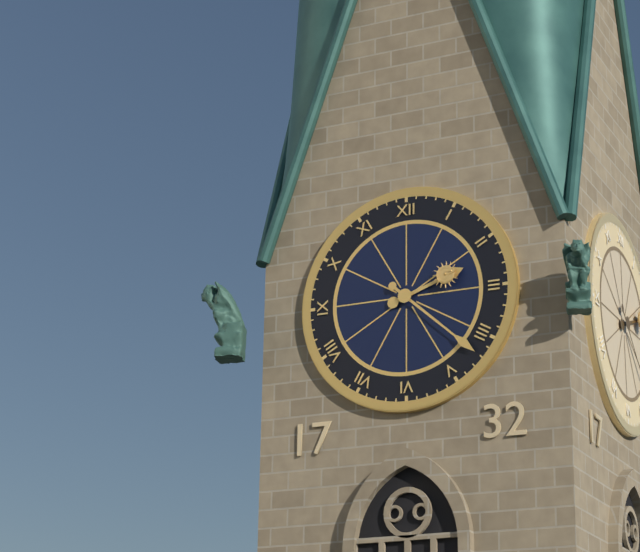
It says 2 h 22 min
